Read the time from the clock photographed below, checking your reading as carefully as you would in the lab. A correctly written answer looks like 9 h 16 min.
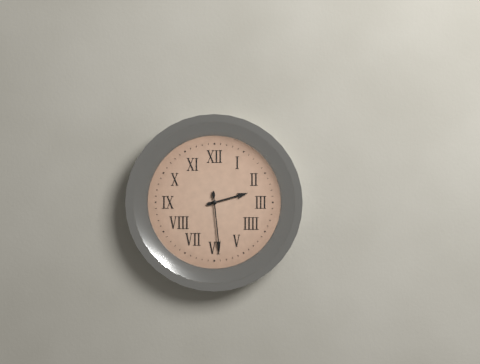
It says 2 h 29 min
